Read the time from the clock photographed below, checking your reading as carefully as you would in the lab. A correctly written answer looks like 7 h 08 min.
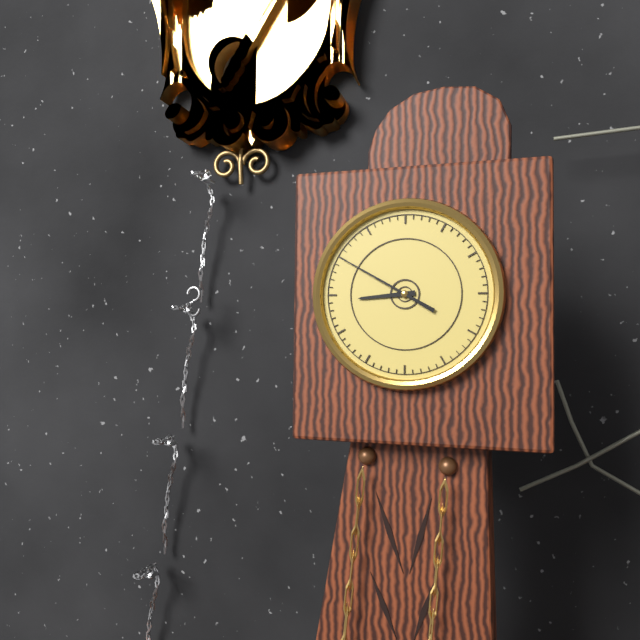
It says 8 h 50 min
